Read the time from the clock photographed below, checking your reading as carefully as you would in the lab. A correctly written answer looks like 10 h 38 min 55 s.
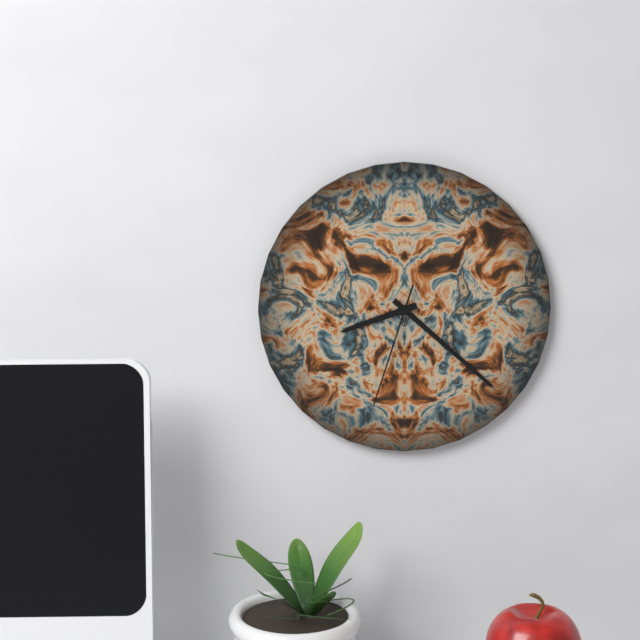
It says 8 h 22 min 33 s
